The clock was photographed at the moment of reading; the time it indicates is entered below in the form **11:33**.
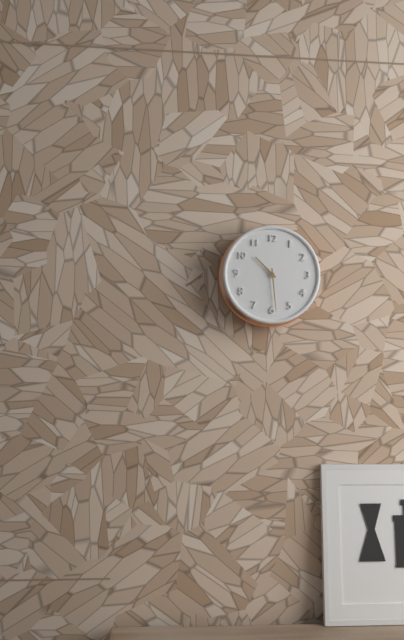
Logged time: **10:29**
